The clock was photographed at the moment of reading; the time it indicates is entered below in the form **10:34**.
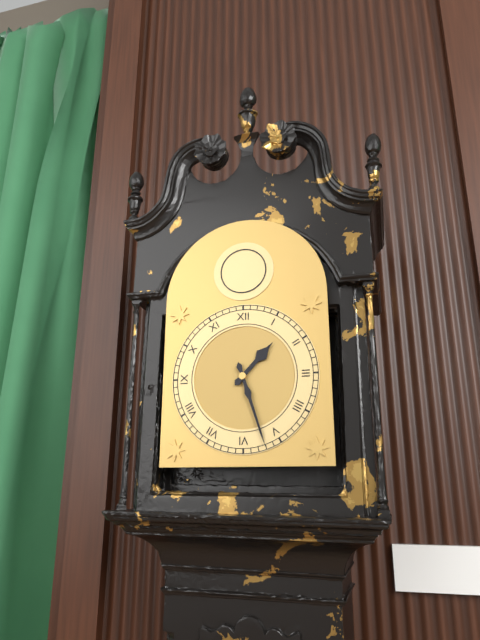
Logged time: **1:27**
